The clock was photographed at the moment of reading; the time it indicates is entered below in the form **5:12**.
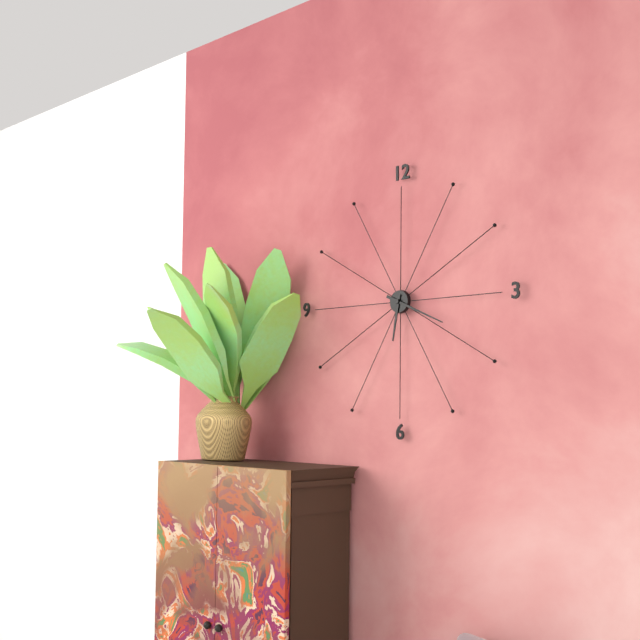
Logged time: **6:19**
